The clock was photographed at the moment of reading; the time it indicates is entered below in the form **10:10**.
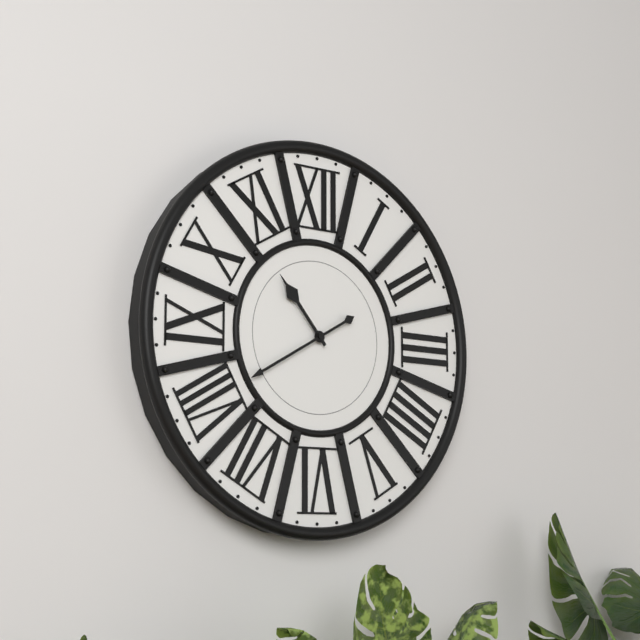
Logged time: **10:40**
